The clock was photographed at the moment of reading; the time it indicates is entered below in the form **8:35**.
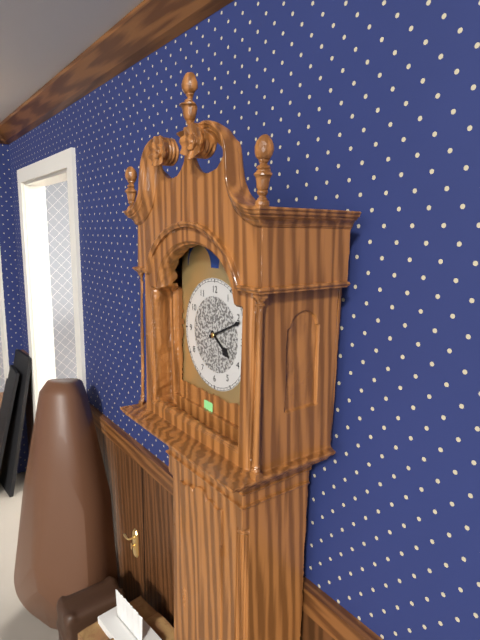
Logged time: **4:11**
